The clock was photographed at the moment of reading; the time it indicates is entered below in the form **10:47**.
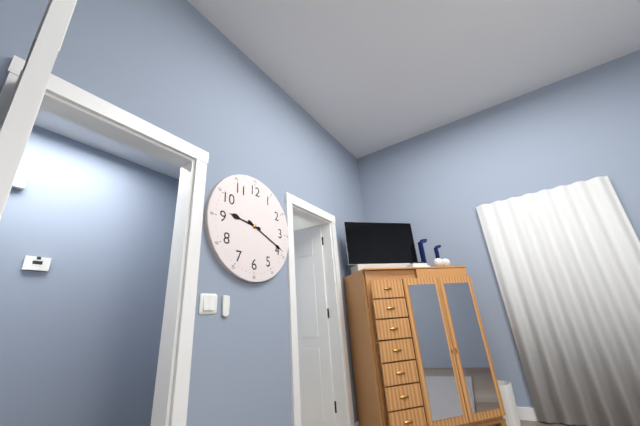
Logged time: **9:19**
